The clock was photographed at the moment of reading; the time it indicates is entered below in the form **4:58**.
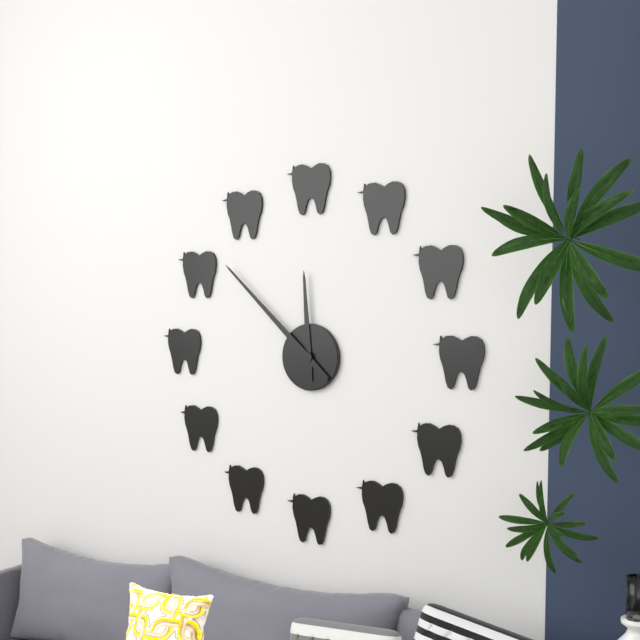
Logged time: **11:52**
